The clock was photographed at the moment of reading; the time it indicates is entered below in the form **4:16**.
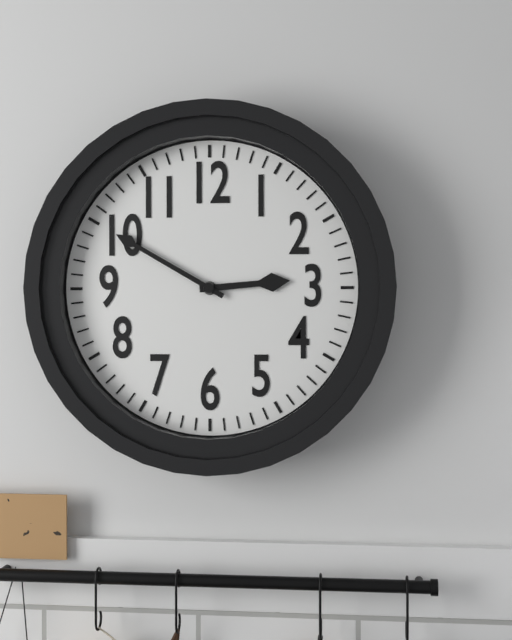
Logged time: **2:50**
